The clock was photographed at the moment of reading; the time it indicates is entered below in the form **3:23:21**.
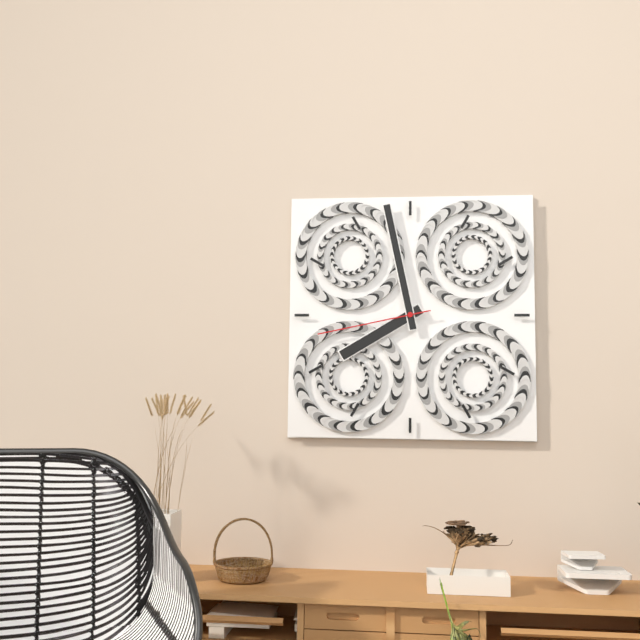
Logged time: **7:58:43**
